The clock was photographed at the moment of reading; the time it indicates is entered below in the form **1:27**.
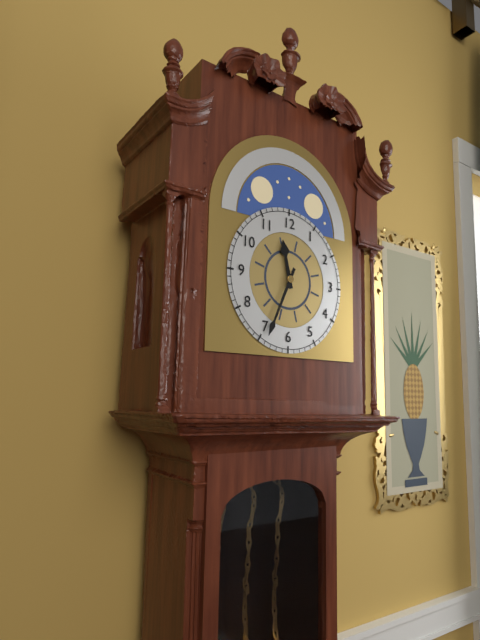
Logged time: **11:34**
